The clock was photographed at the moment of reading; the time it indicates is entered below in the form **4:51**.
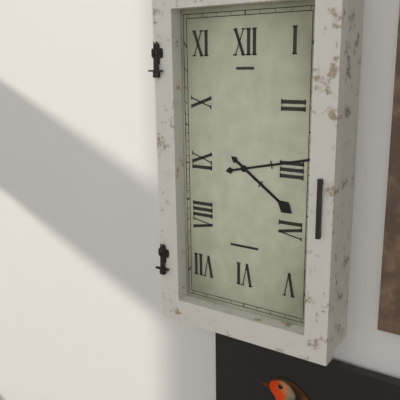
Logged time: **4:13**
